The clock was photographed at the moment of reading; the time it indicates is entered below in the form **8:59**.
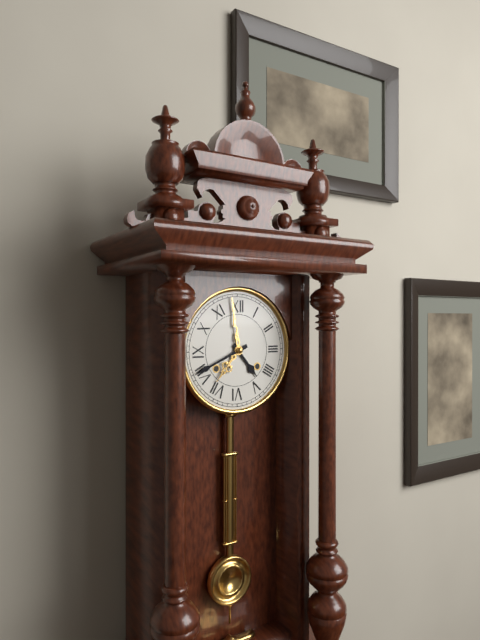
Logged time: **4:41**
